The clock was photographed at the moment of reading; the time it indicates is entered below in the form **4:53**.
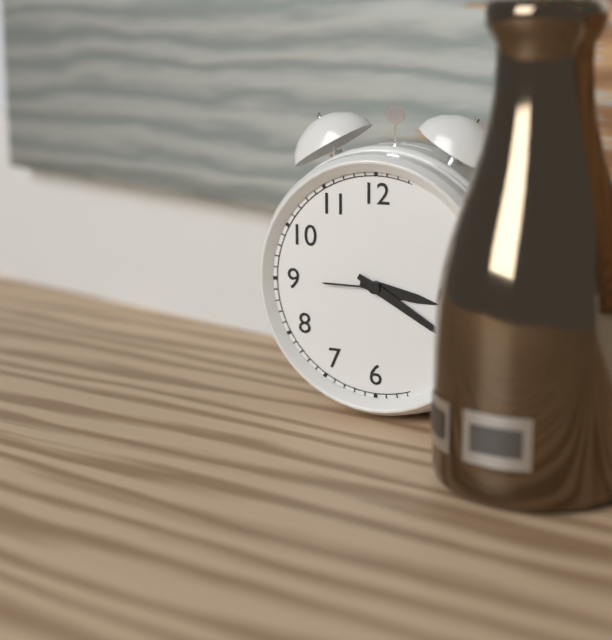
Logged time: **3:20**
